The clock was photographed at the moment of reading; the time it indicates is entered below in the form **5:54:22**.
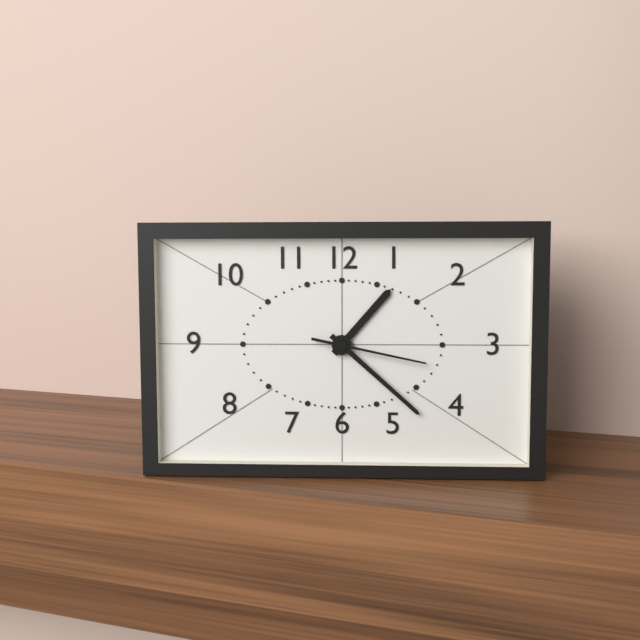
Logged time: **1:22:17**
